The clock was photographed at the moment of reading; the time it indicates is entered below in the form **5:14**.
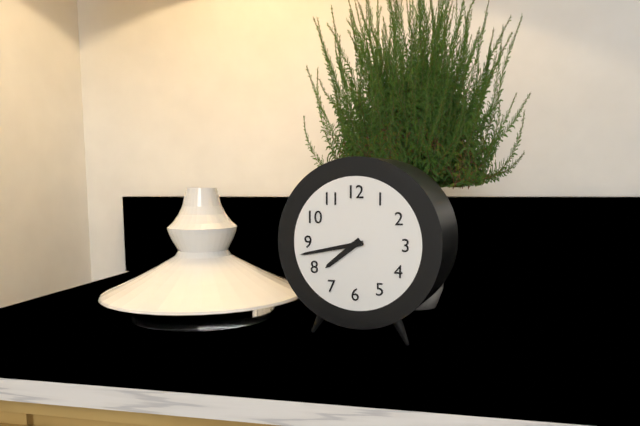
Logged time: **7:43**
